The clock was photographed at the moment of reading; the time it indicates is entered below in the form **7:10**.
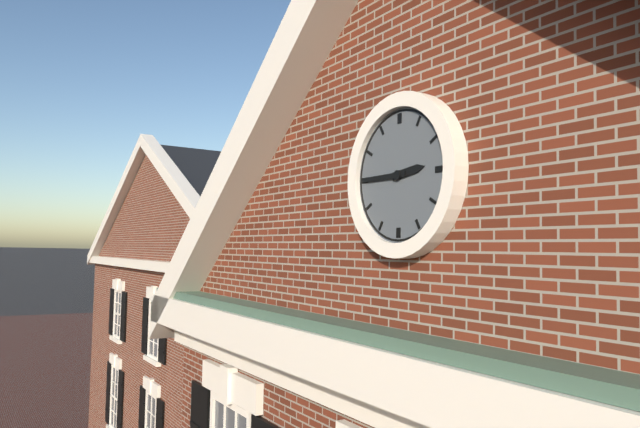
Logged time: **2:45**
